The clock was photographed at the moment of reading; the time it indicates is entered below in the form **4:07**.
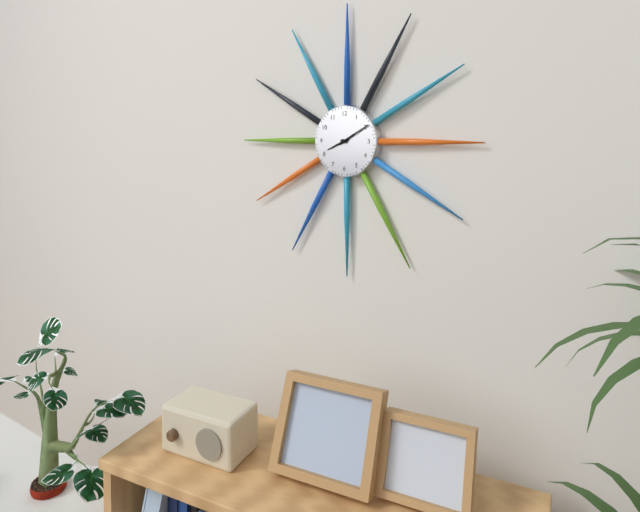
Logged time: **8:10**
